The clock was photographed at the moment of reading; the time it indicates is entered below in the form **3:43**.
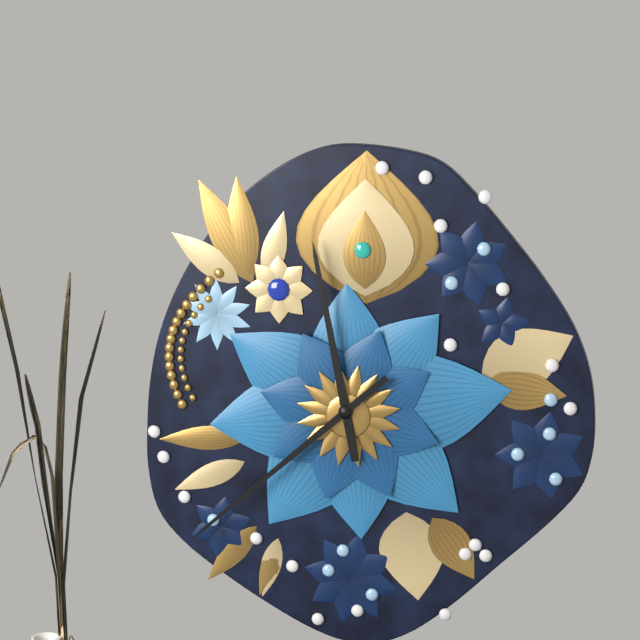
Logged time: **11:38**
